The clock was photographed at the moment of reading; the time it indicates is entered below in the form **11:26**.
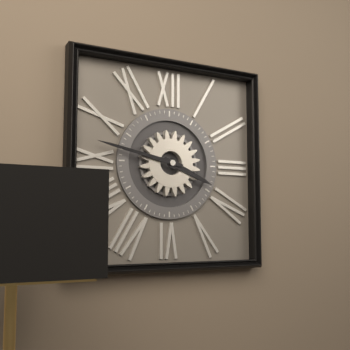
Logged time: **3:47**
